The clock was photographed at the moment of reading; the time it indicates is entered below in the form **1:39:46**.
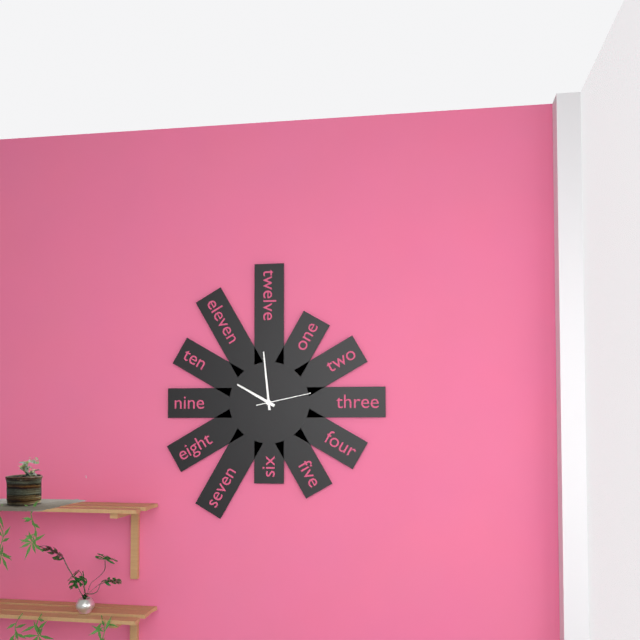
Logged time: **9:59:13**
